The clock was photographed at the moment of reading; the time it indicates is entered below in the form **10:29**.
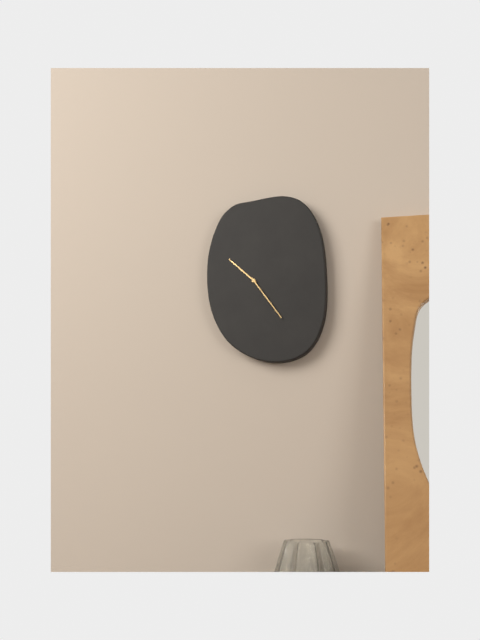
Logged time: **10:24**
